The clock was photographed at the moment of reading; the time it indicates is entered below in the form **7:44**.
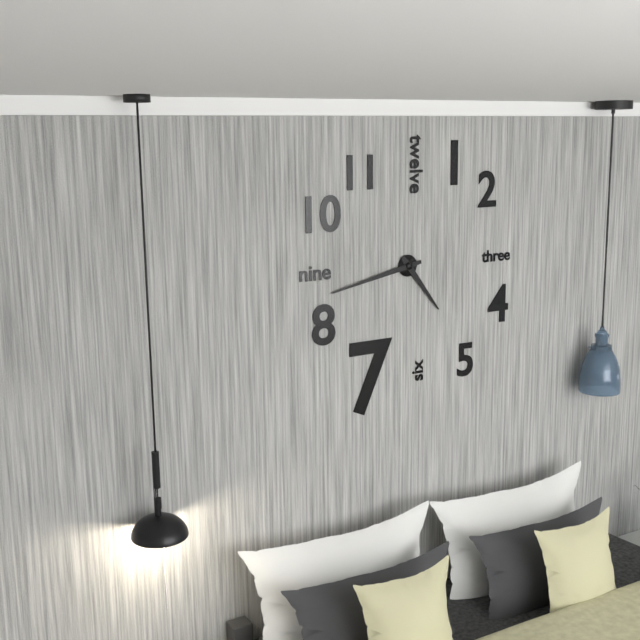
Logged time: **4:43**
